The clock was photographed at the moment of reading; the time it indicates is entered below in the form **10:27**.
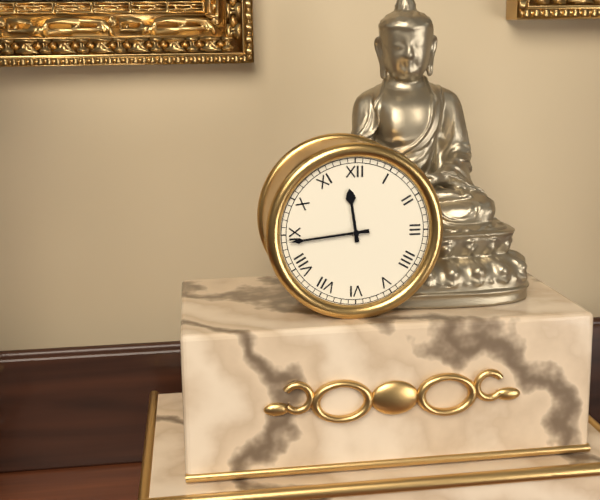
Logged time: **11:44**
